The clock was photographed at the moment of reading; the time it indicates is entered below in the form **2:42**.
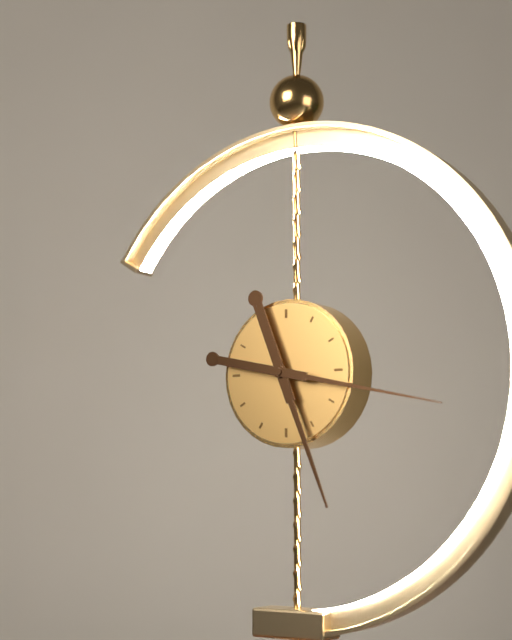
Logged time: **5:17**
